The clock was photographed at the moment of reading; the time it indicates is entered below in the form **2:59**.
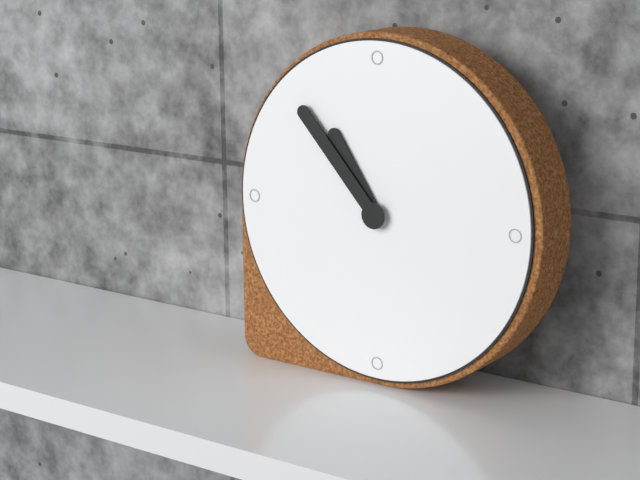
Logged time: **10:53**
